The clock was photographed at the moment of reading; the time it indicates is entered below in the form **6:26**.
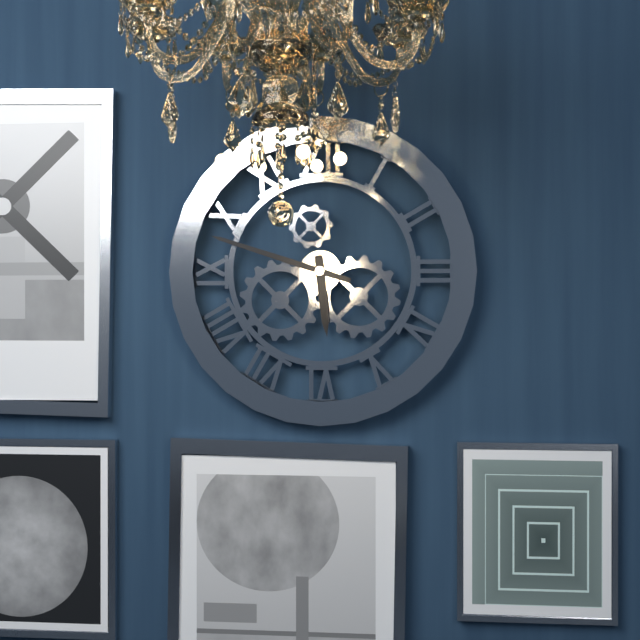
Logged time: **5:48**
